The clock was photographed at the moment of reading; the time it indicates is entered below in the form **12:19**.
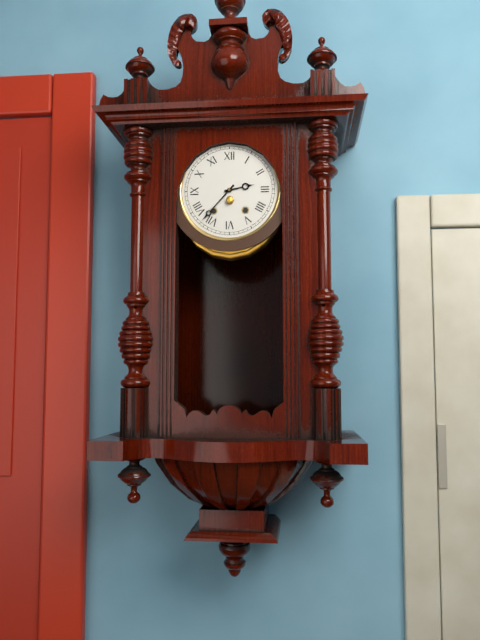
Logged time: **2:37**
